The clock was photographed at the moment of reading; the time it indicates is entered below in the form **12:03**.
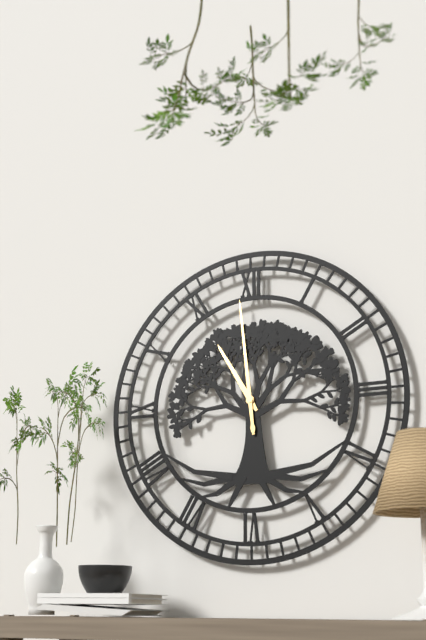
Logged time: **10:59**
